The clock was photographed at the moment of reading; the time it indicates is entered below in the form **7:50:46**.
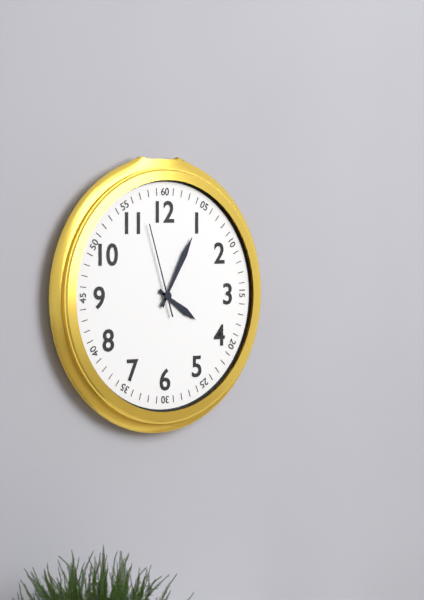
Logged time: **4:05:57**
